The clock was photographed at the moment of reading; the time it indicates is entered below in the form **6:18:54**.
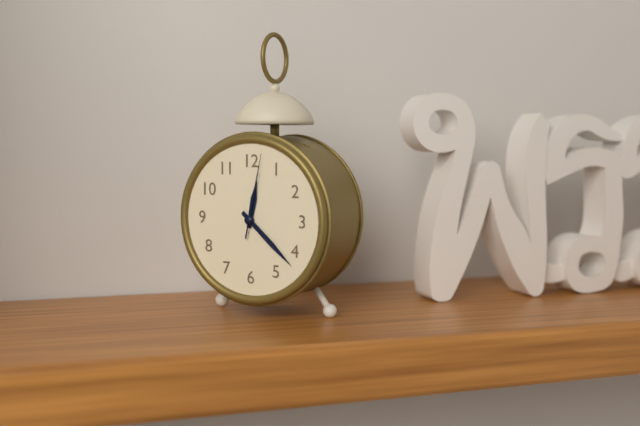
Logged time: **12:22:02**
